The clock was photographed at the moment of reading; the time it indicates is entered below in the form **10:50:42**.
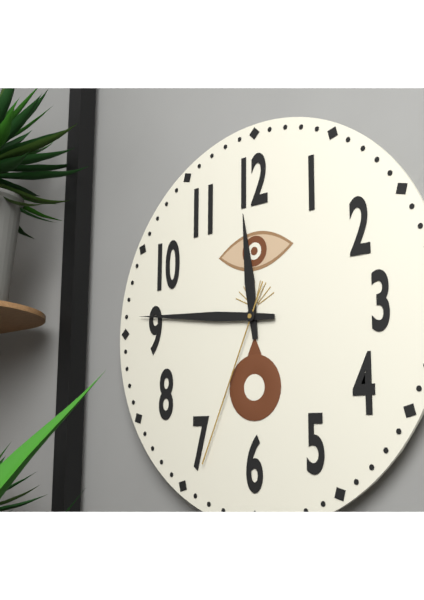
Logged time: **11:46:34**
